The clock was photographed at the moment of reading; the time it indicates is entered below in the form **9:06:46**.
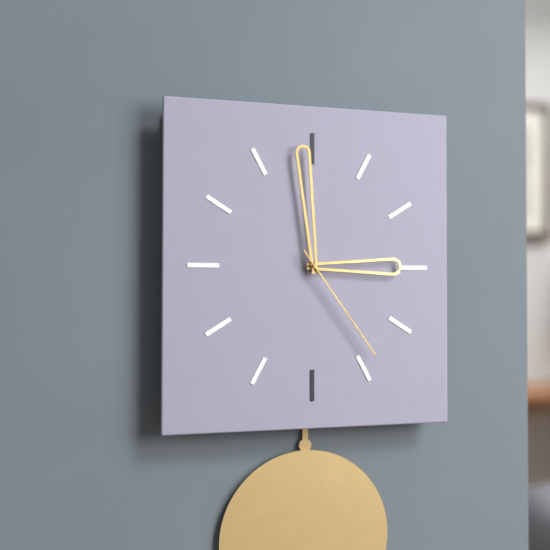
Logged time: **2:59:24**
